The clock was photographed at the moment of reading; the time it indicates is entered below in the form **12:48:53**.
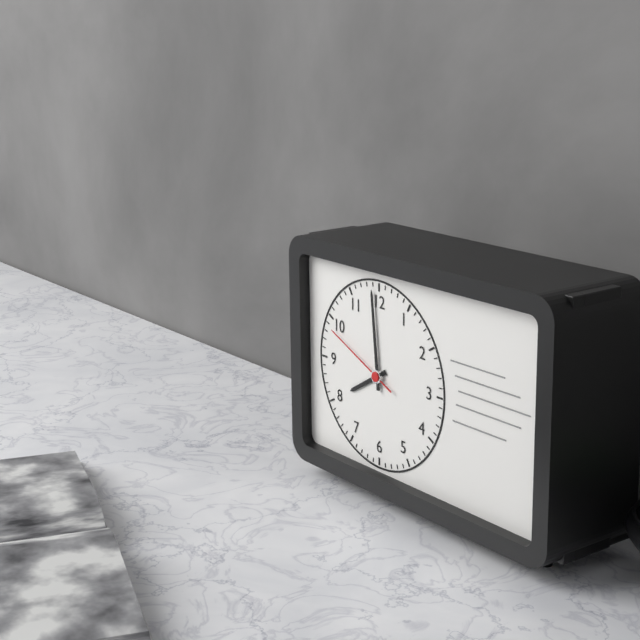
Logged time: **7:59:49**
